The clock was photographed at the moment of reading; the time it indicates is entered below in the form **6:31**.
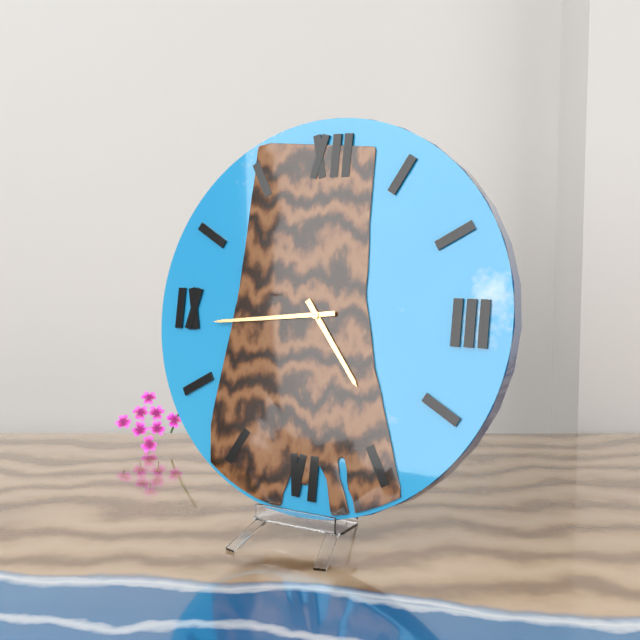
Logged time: **4:44**
